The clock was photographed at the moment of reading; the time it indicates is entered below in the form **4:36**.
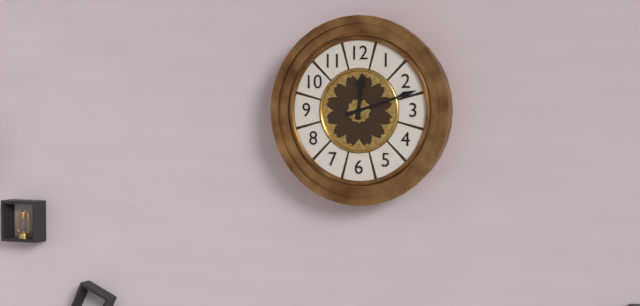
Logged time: **12:12**
